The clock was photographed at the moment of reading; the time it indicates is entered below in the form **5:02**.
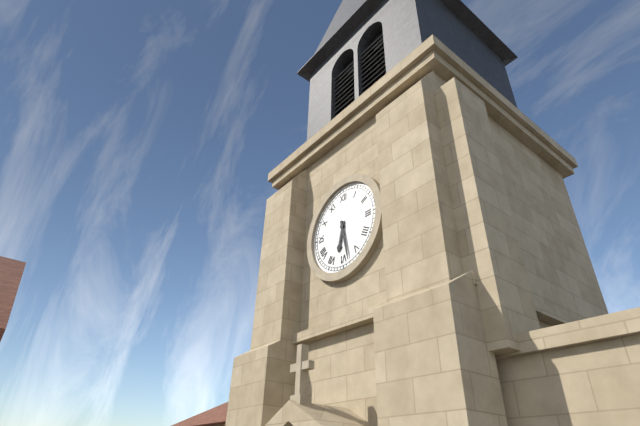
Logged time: **6:28**
